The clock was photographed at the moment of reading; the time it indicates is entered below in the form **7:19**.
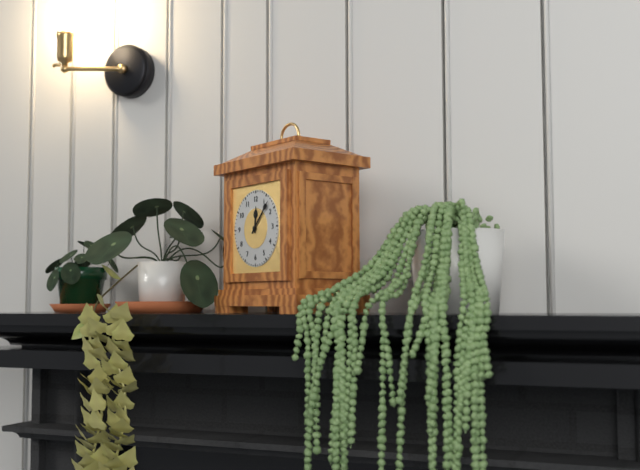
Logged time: **12:07**
